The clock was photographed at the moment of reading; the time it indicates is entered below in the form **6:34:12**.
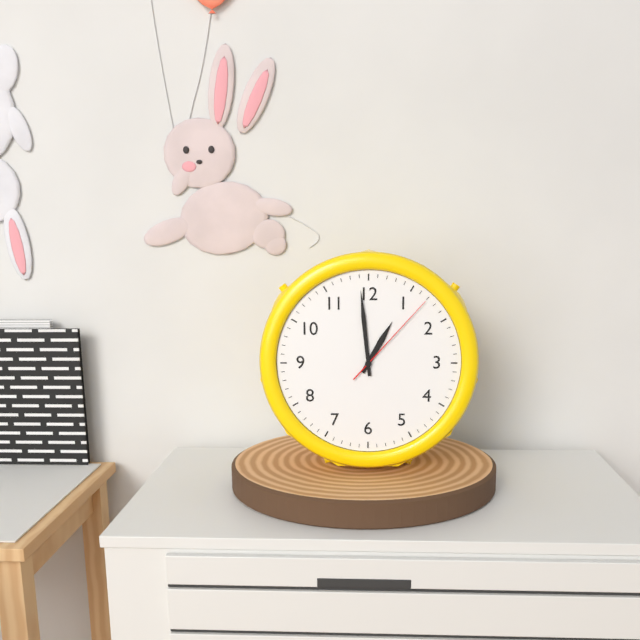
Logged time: **12:59:07**
